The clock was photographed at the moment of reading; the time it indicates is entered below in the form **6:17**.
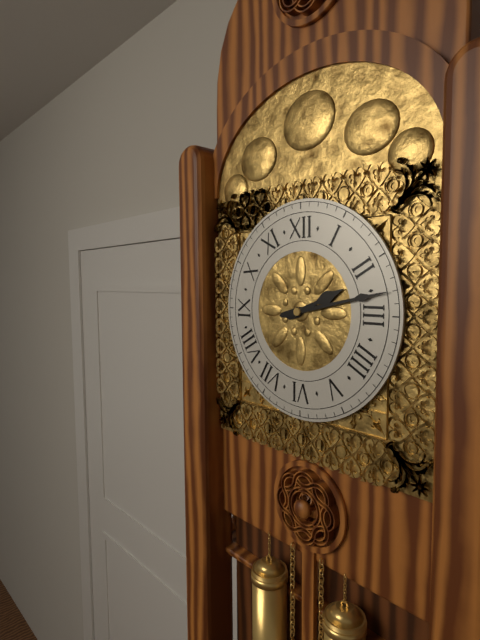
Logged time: **2:13**
